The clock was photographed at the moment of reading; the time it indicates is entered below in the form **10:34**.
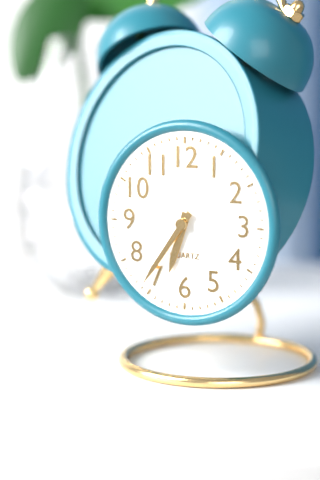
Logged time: **6:36**
